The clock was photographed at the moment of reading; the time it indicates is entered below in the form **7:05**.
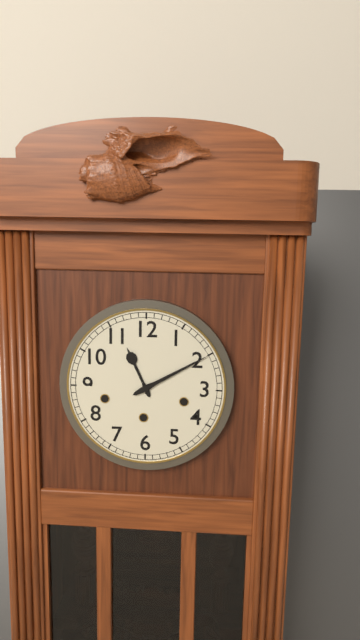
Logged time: **11:10**
